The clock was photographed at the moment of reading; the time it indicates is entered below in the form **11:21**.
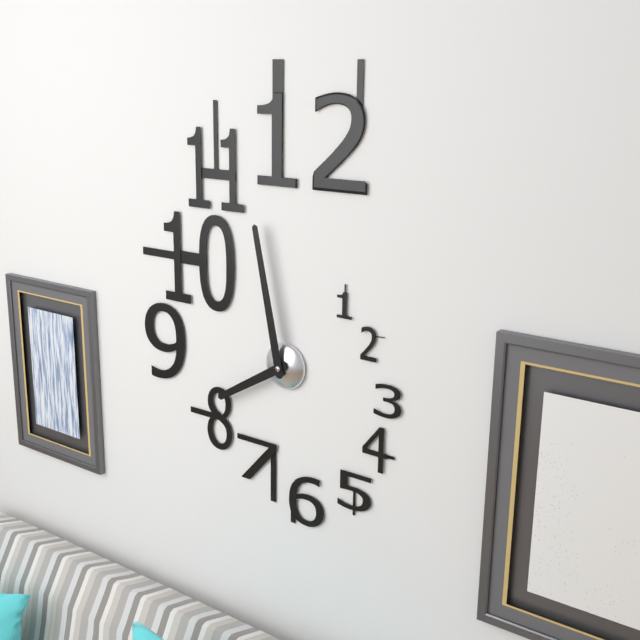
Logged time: **7:58**
